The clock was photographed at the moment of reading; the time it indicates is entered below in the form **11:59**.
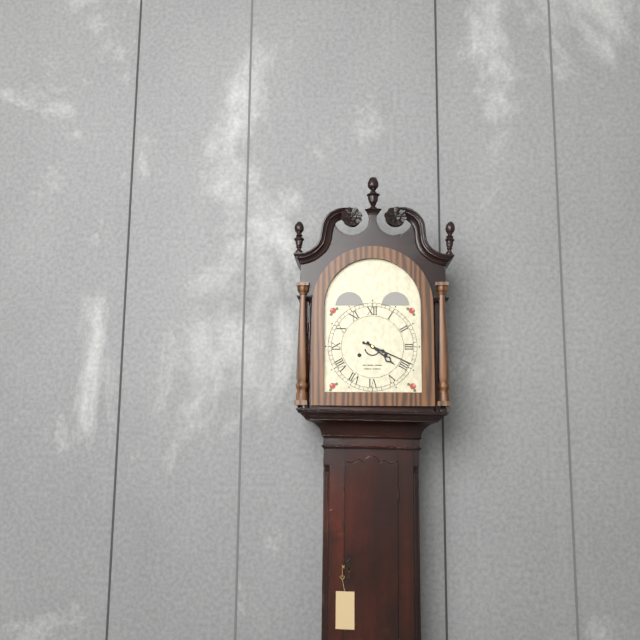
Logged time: **4:19**
